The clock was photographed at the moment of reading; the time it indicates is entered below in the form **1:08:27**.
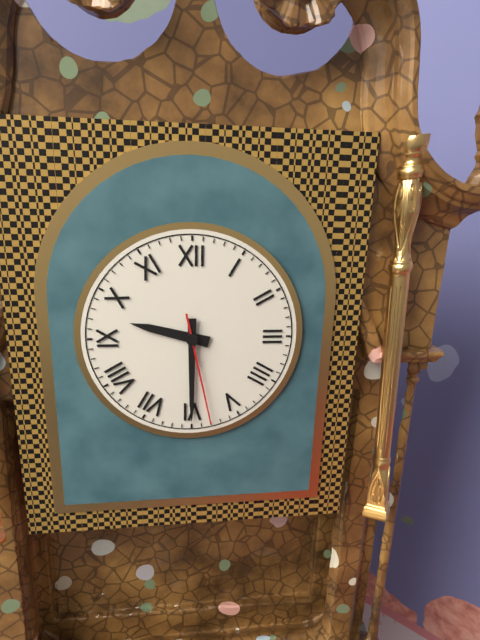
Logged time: **9:30:28**
